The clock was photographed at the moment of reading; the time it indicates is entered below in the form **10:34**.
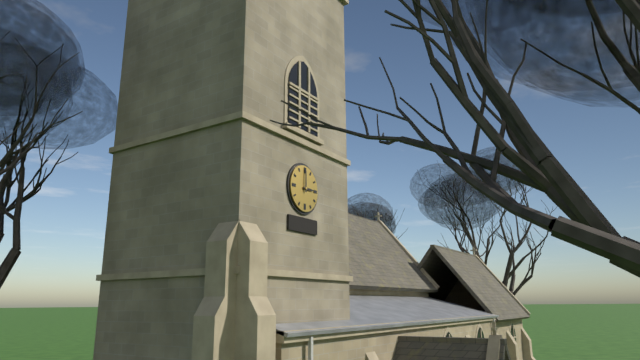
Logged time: **3:00**
